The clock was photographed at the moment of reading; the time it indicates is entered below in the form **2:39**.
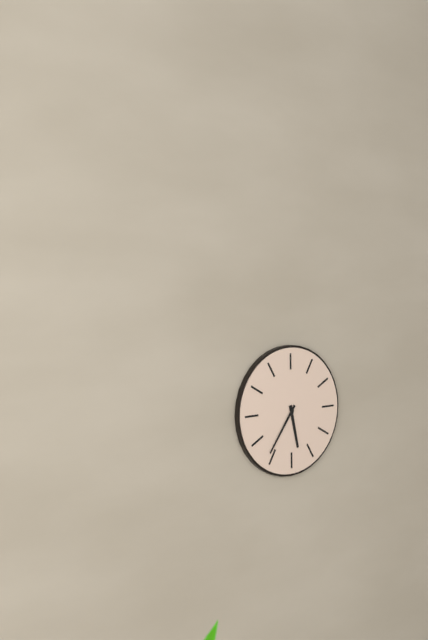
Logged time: **5:36**
